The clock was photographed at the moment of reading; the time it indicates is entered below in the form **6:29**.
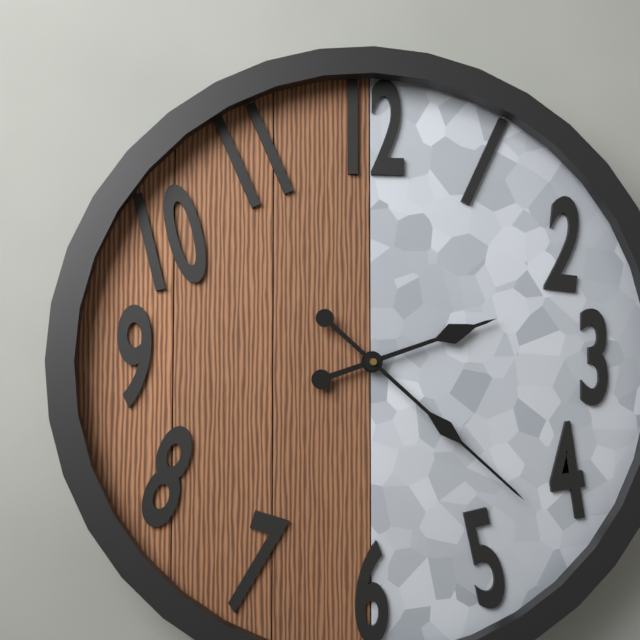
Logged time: **2:22**
